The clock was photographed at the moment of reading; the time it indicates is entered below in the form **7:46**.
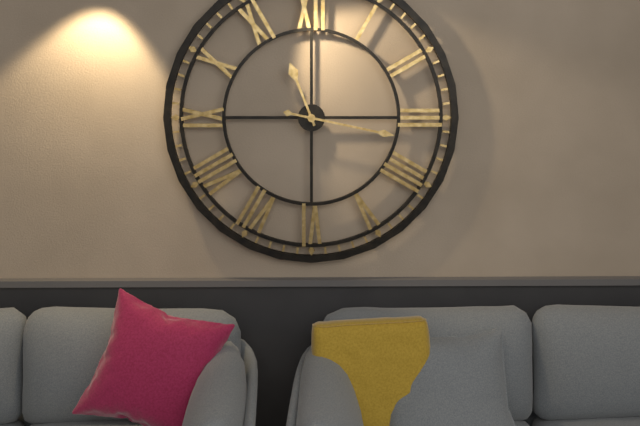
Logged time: **11:17**
